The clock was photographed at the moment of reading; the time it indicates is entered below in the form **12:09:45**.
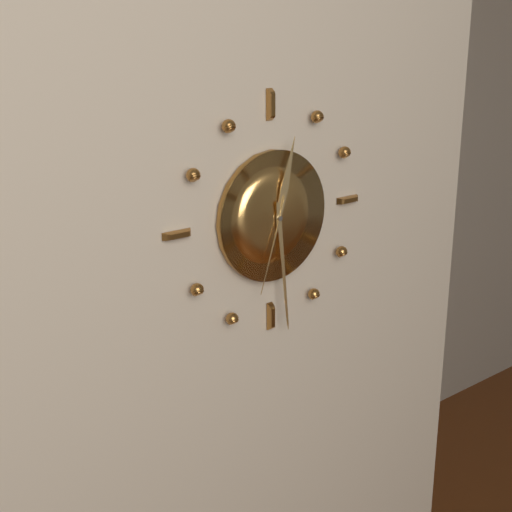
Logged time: **12:29:33**
